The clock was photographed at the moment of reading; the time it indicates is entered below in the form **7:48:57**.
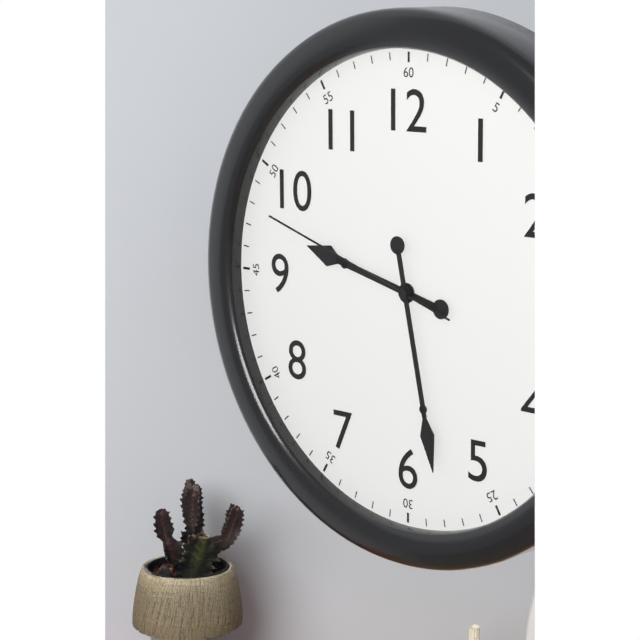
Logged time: **9:28:48**
